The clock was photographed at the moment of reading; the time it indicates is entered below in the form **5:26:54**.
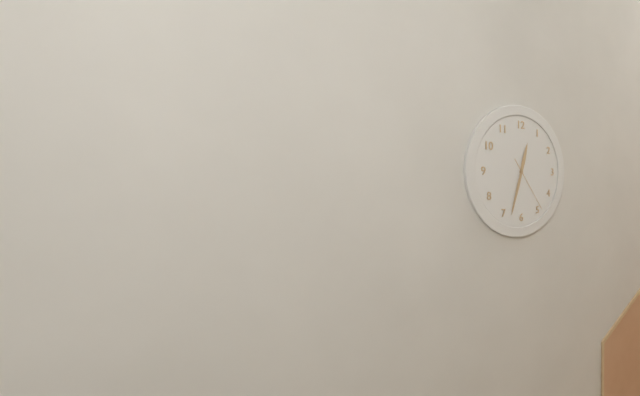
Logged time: **12:33:24**
